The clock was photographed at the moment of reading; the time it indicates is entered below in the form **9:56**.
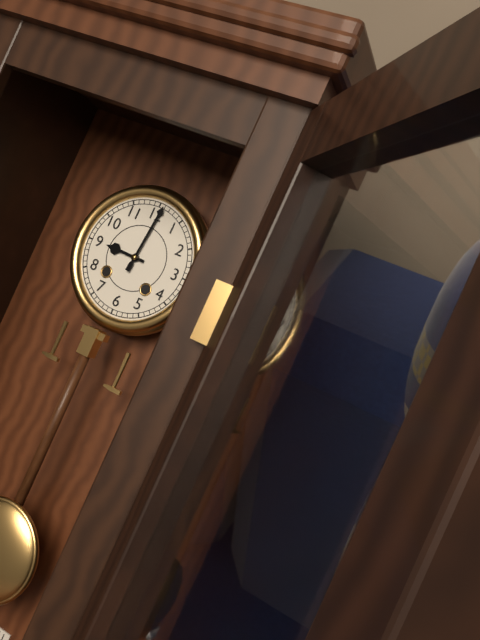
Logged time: **9:01**
